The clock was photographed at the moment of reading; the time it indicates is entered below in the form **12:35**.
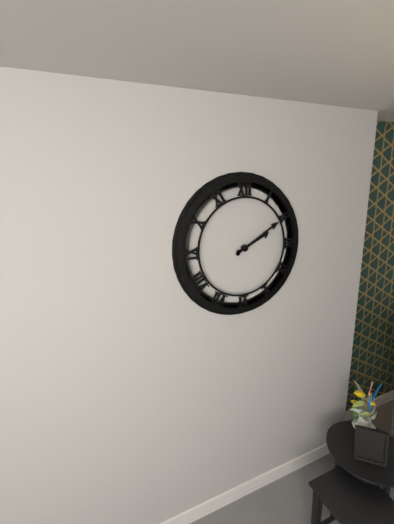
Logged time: **2:10**
